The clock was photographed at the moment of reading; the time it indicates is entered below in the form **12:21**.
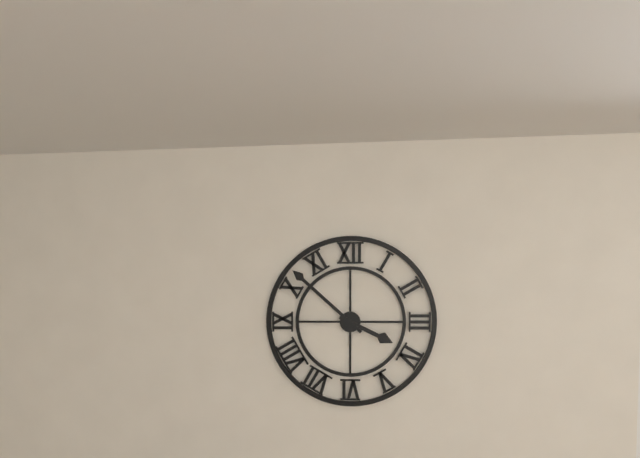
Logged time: **3:52**
